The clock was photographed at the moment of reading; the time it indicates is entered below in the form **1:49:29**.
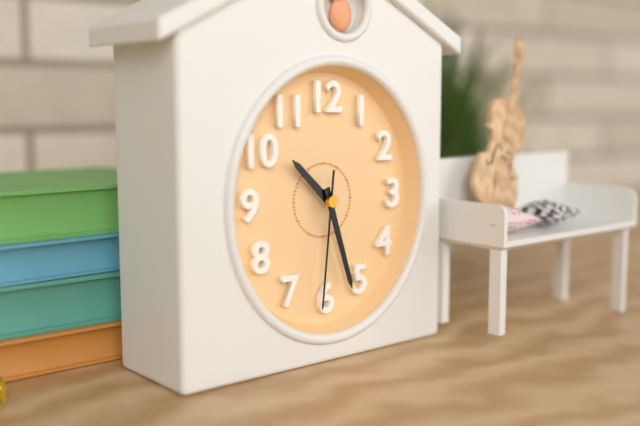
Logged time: **10:27:31**
